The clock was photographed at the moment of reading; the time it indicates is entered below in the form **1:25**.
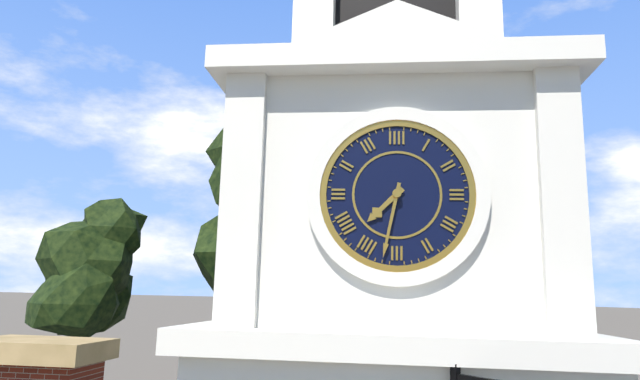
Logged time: **7:32**
